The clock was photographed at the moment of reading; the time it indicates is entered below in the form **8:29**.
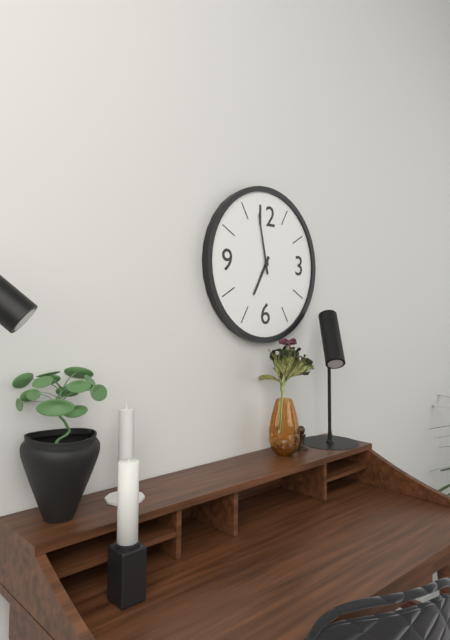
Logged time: **6:58**
